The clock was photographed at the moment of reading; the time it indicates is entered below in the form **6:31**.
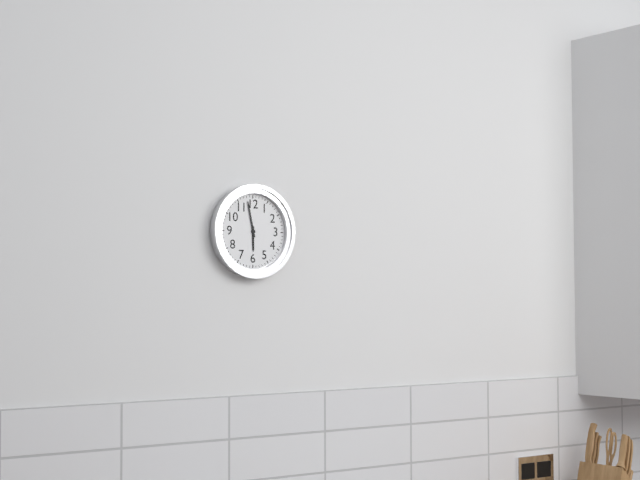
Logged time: **5:58**
